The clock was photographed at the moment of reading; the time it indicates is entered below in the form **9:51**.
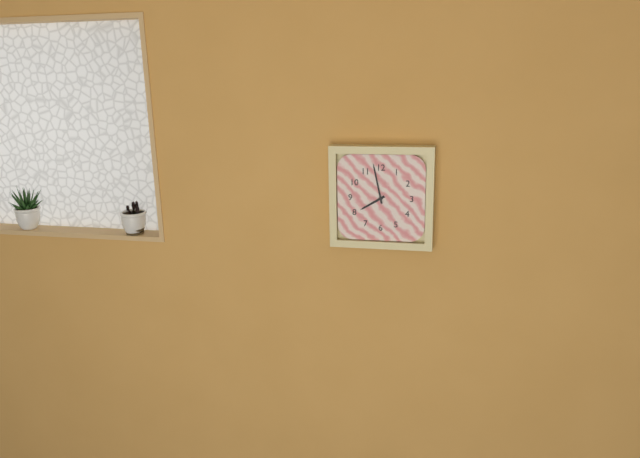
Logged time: **7:58**
